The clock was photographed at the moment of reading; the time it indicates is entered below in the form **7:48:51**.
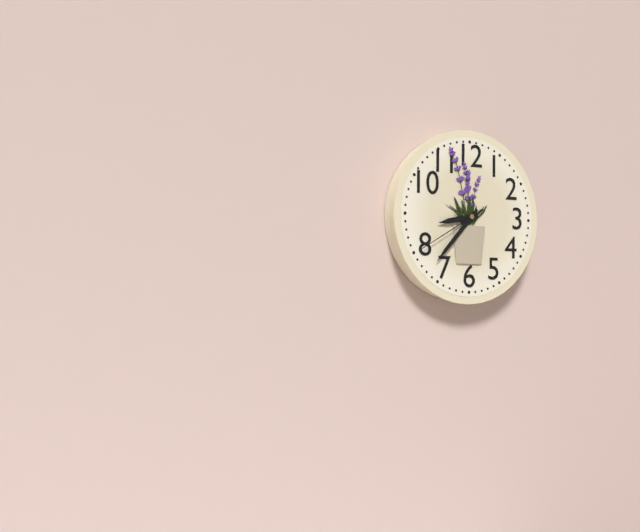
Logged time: **8:37:40**
